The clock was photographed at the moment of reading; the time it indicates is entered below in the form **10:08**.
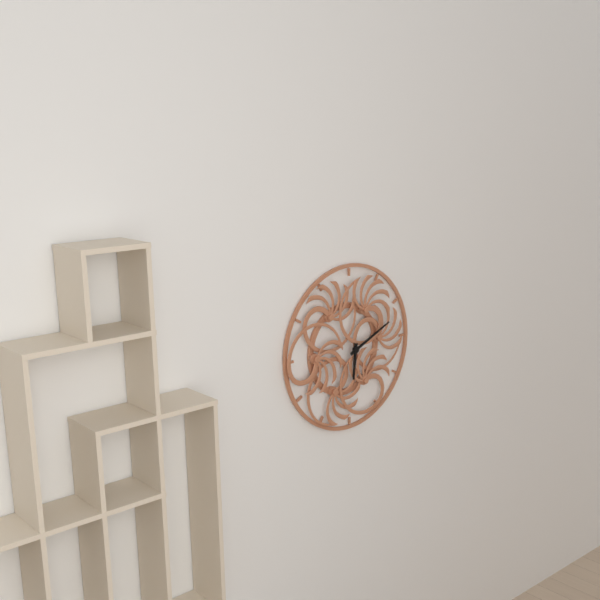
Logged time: **6:11**
